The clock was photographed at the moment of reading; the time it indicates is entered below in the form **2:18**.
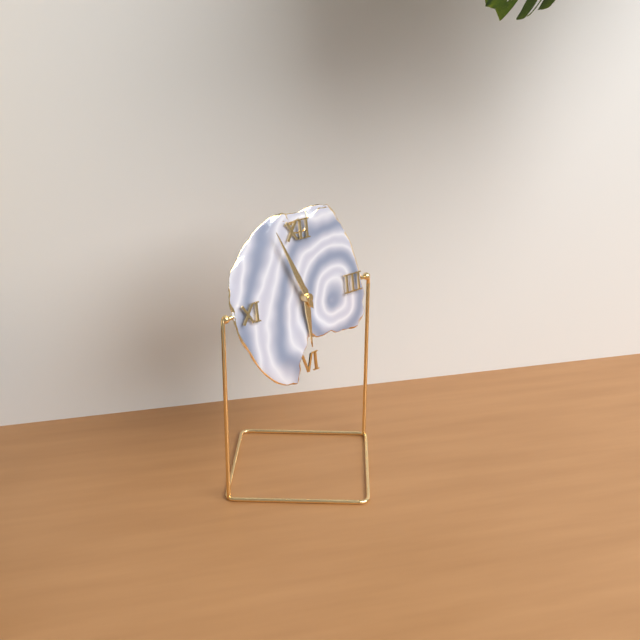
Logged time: **5:56**
